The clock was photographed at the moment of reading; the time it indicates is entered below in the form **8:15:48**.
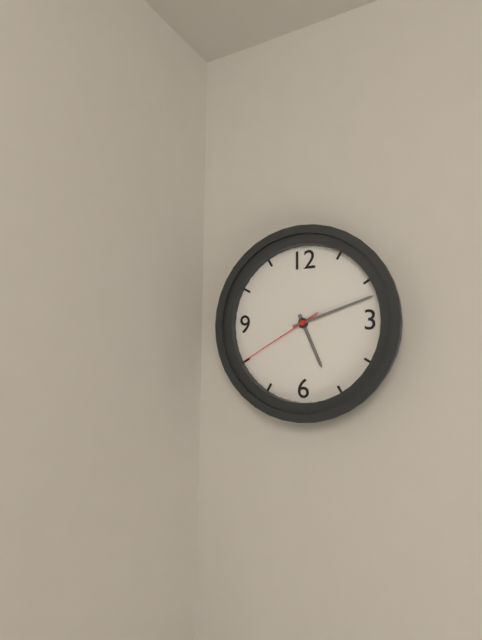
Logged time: **5:12:40**
